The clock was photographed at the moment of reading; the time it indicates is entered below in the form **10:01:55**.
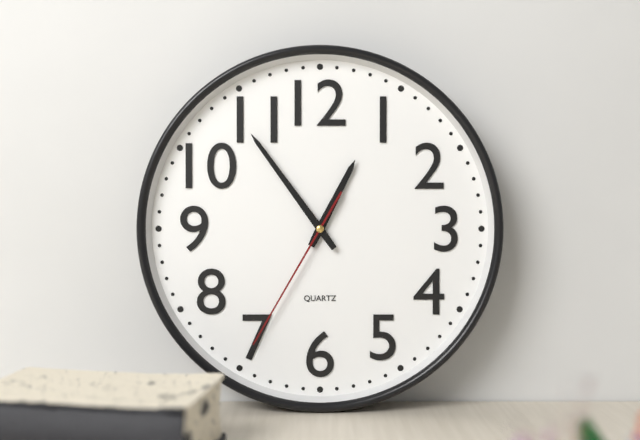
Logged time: **12:54:35**
